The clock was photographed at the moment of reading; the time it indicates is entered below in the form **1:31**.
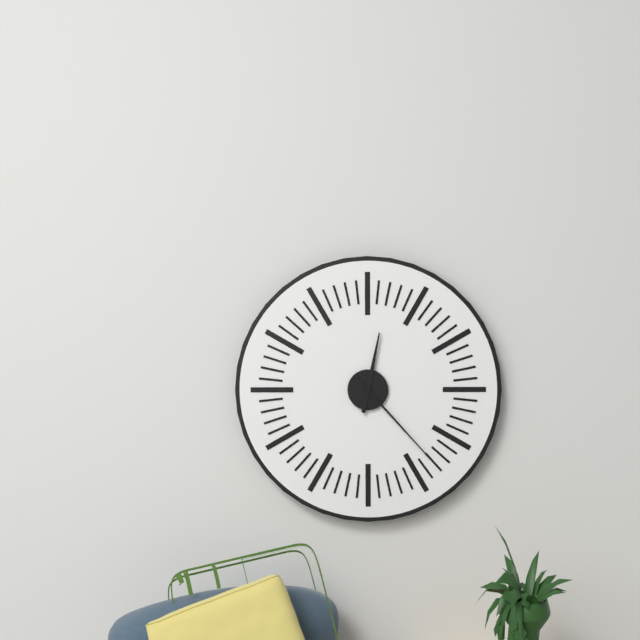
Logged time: **12:23**
